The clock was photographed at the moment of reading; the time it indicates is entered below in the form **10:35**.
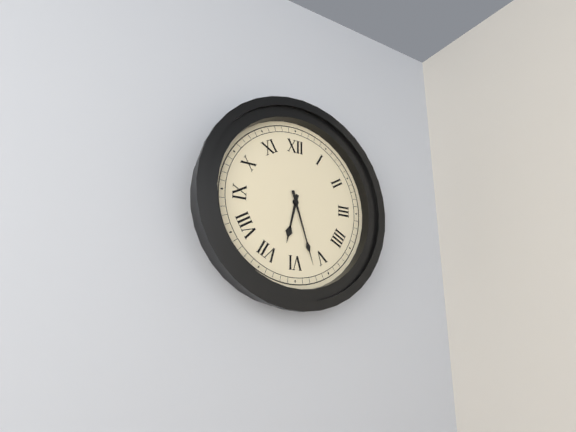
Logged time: **6:27**
